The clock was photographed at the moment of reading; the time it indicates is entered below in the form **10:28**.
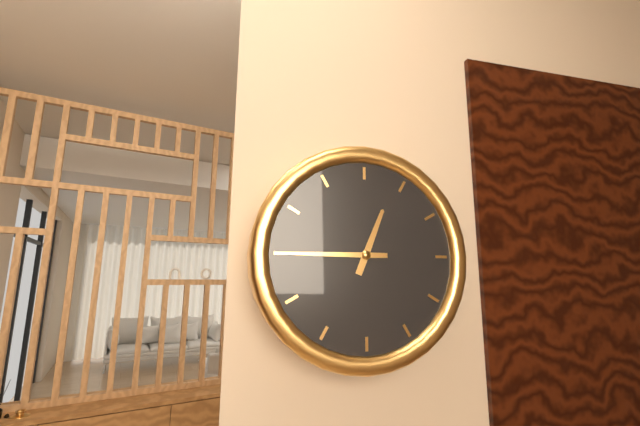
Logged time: **12:45**
